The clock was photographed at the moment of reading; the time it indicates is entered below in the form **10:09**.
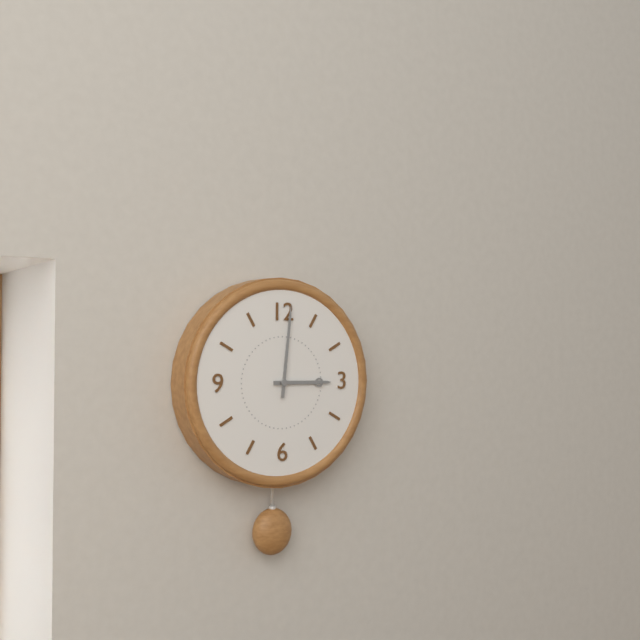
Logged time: **3:01**
